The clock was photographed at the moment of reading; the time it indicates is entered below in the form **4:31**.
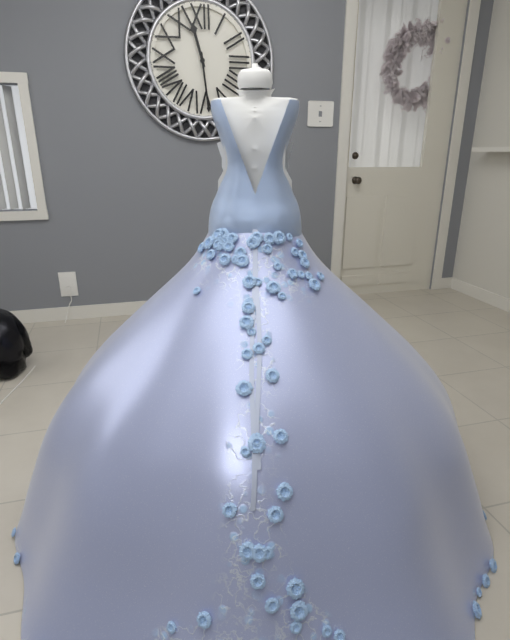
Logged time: **11:29**
